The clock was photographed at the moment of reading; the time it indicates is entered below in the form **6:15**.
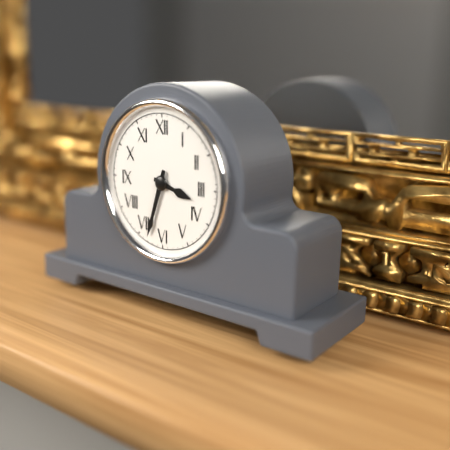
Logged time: **3:33**
